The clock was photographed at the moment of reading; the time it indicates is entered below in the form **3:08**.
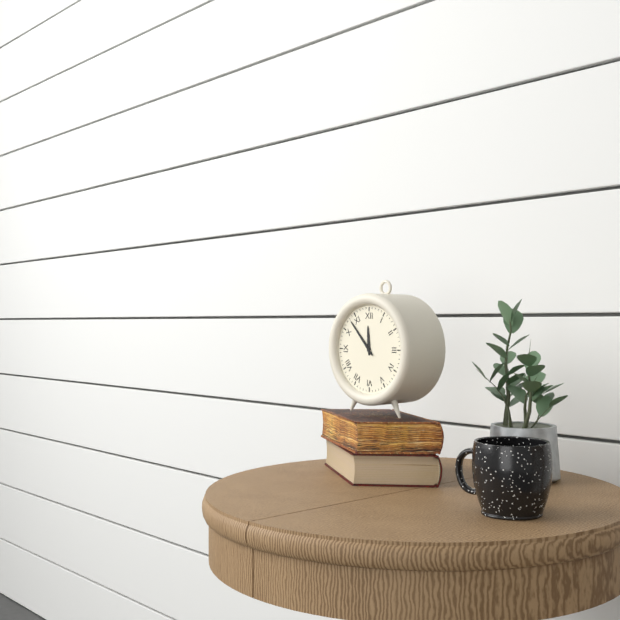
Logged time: **11:53**
